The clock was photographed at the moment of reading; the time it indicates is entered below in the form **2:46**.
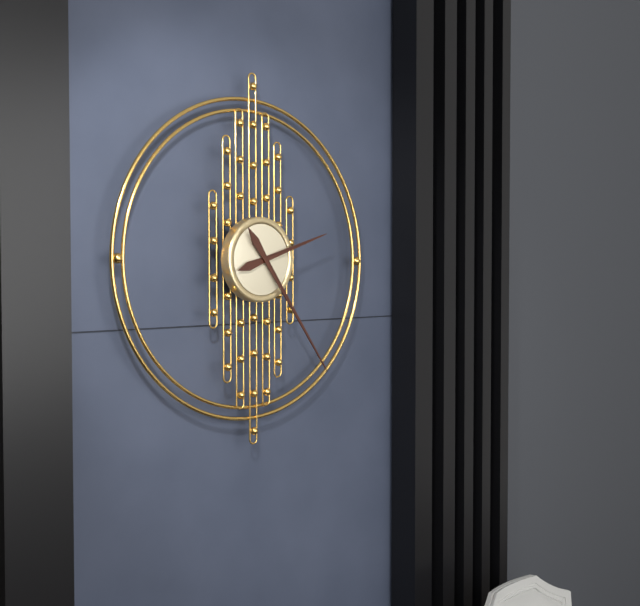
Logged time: **2:24**
